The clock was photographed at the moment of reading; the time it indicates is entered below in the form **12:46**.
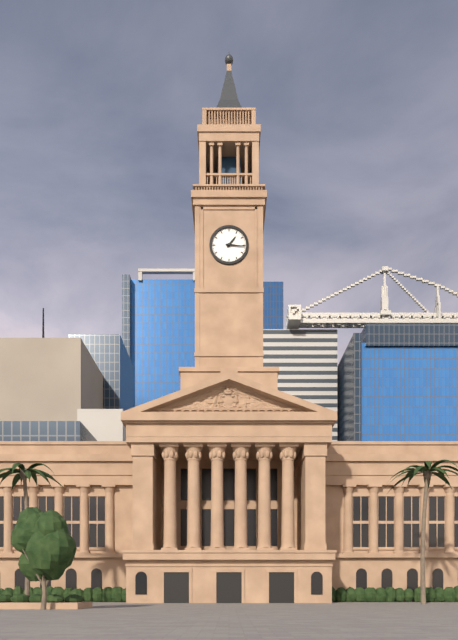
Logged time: **1:16**
